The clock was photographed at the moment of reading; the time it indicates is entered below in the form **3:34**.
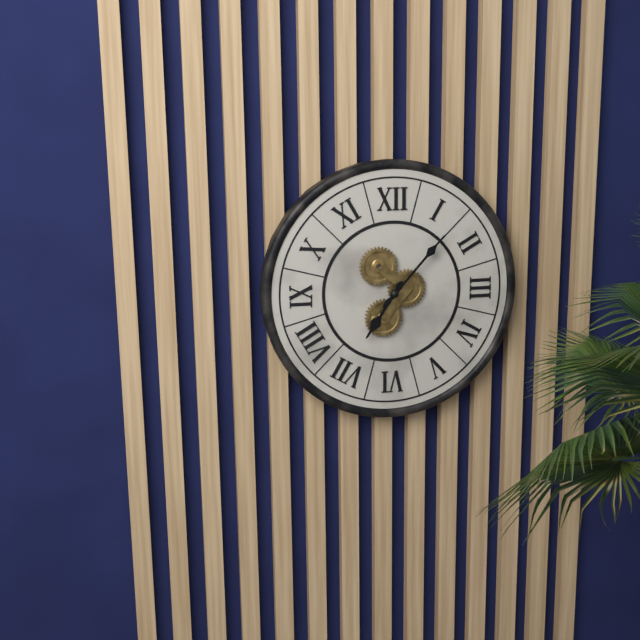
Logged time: **7:07**
